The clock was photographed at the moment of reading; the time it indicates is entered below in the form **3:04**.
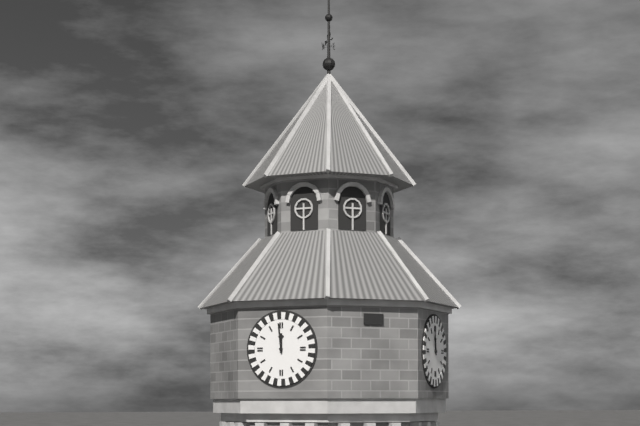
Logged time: **11:59**
